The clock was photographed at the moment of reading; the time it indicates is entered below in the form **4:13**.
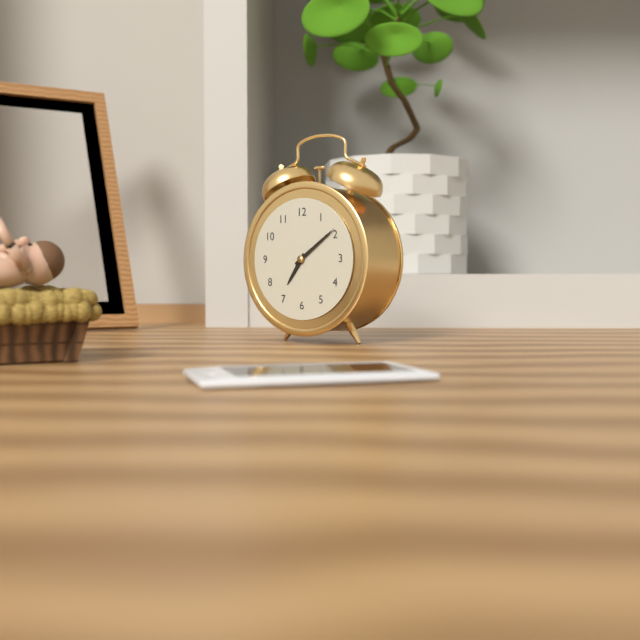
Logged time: **7:09**
